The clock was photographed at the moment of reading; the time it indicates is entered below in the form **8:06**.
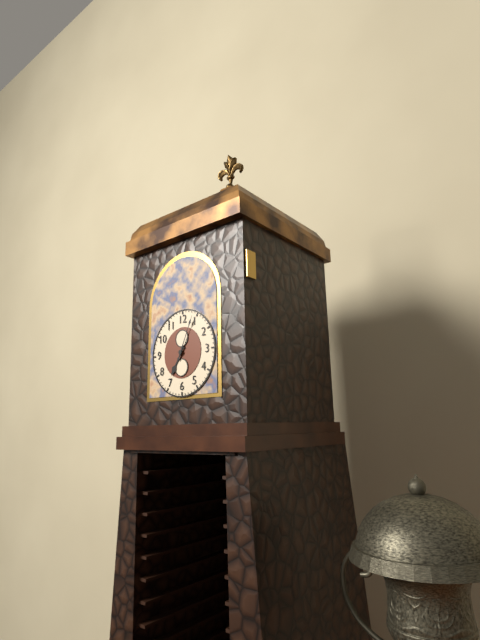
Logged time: **7:04**
